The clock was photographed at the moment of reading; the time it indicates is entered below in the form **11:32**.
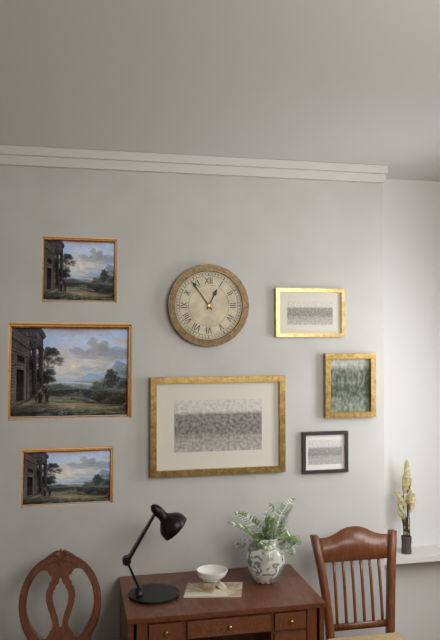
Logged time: **12:54**
